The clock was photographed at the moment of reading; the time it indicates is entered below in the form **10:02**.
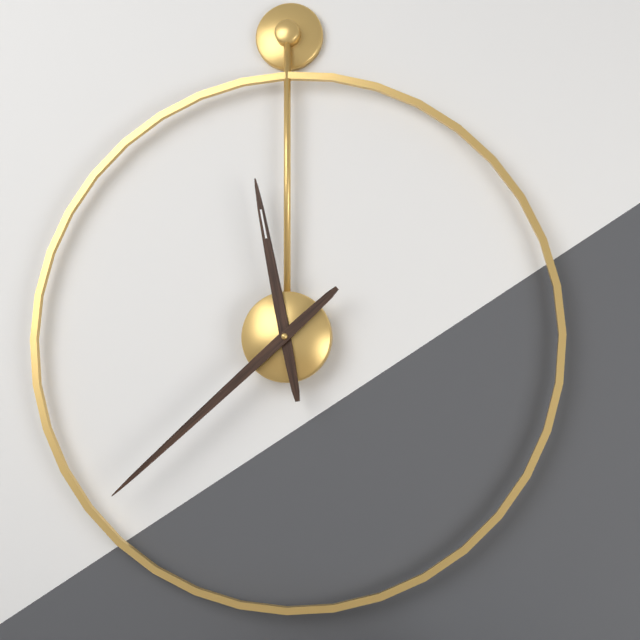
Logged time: **11:38**
